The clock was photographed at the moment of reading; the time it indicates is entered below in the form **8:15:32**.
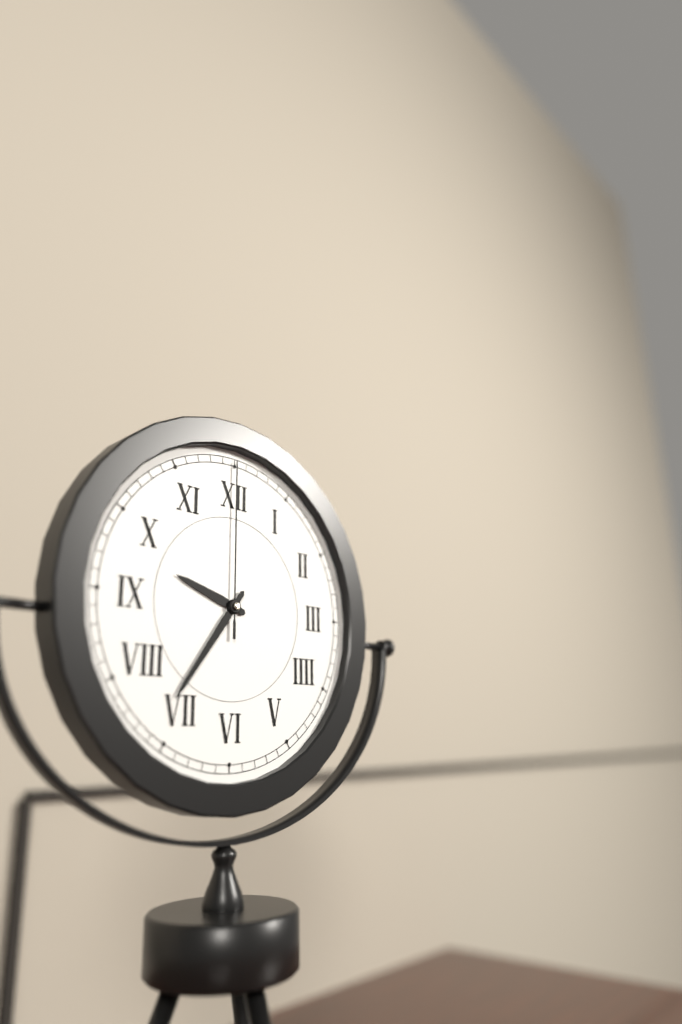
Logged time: **9:36:00**
